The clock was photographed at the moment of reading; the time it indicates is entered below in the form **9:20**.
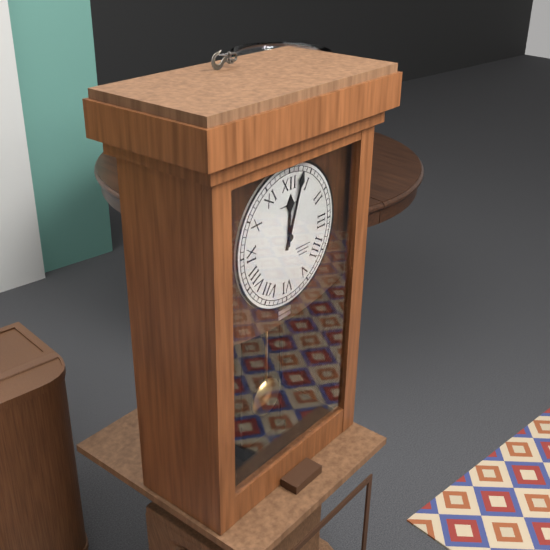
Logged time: **12:03**
